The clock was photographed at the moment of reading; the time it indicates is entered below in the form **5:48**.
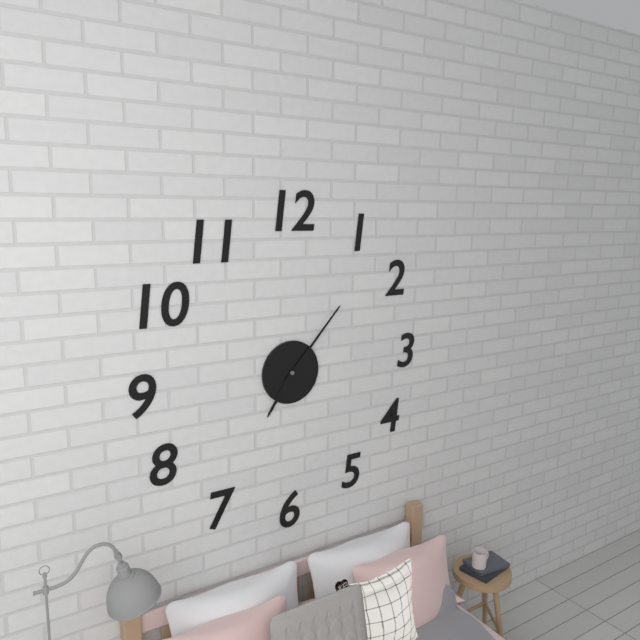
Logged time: **7:07**
